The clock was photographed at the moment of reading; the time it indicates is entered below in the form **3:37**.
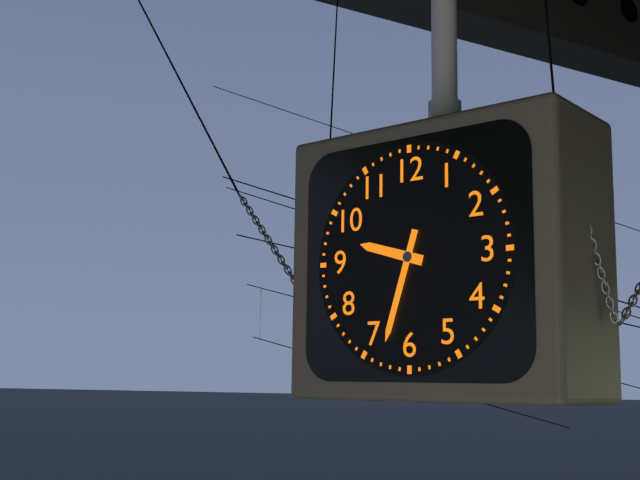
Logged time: **9:33**
